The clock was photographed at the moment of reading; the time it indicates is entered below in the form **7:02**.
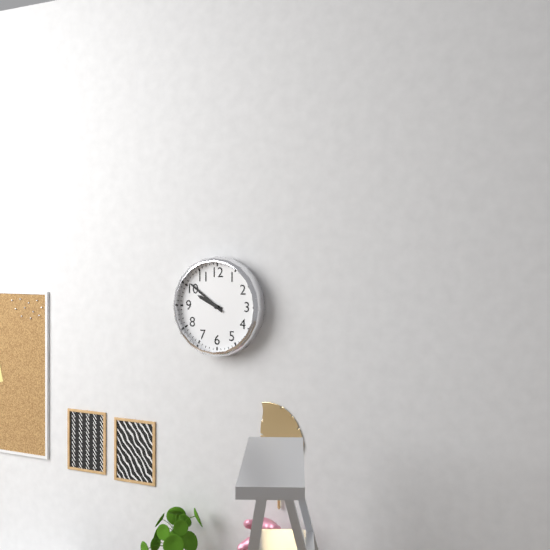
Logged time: **9:51**
